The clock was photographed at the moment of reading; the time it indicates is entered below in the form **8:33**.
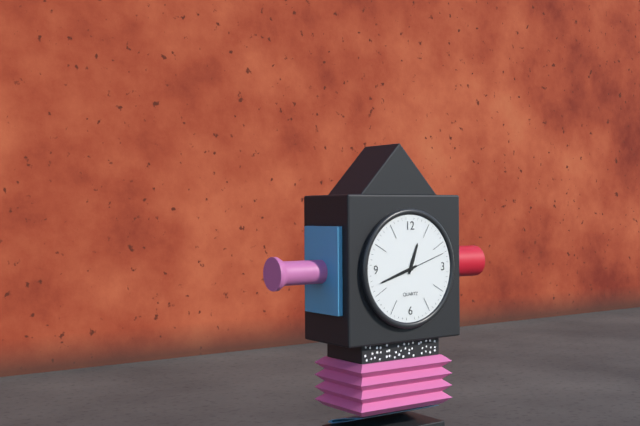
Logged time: **12:42**
